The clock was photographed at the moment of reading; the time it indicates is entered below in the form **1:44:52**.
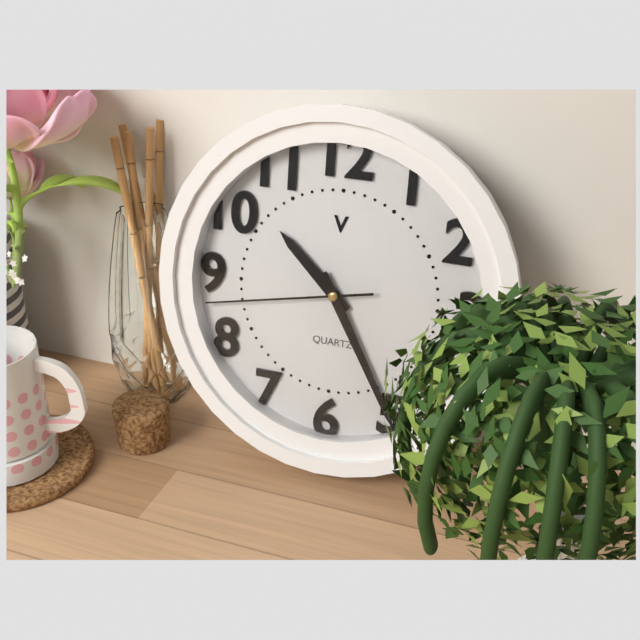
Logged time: **10:25:43**
